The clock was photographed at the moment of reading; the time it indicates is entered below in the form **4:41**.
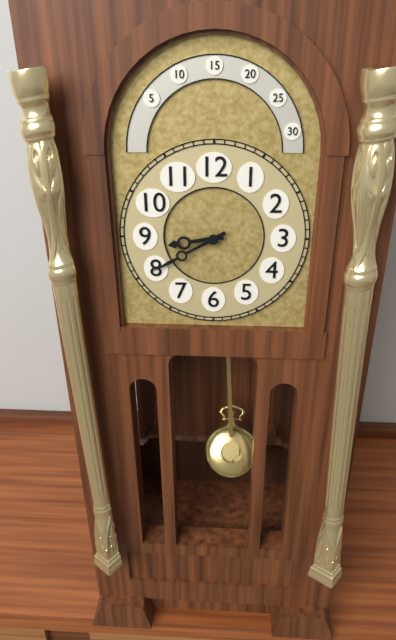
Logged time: **8:40**
